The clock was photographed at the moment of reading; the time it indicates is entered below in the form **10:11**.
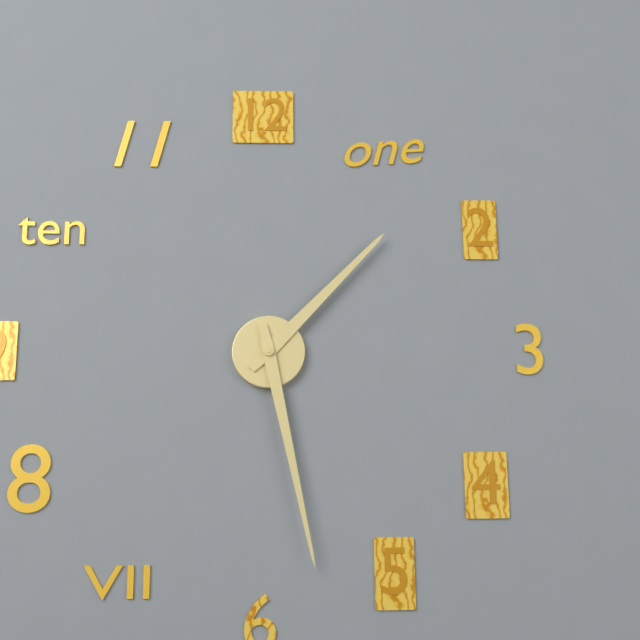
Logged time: **1:28**
